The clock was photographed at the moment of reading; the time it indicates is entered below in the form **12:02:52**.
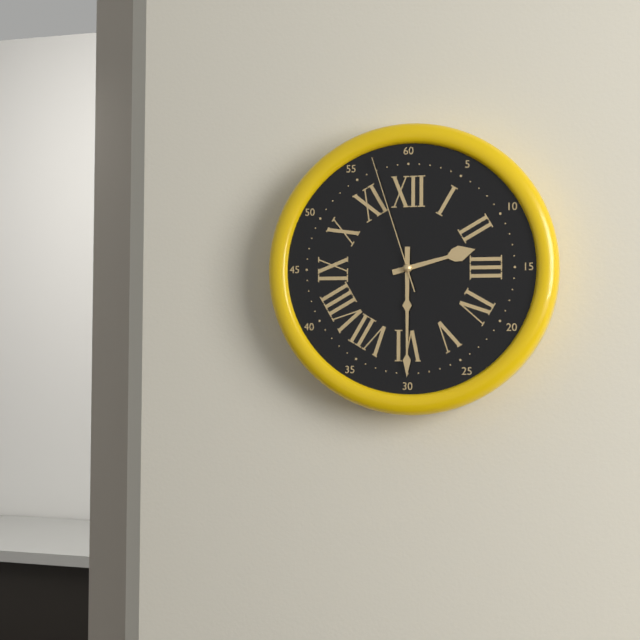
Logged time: **2:30:57**
